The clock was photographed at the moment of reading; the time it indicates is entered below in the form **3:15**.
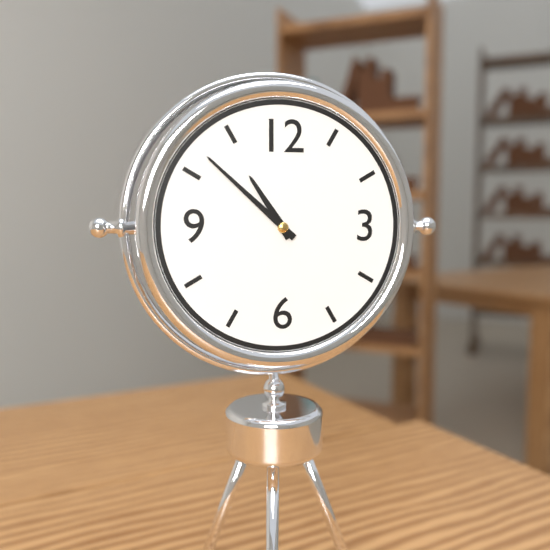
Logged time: **10:52**
